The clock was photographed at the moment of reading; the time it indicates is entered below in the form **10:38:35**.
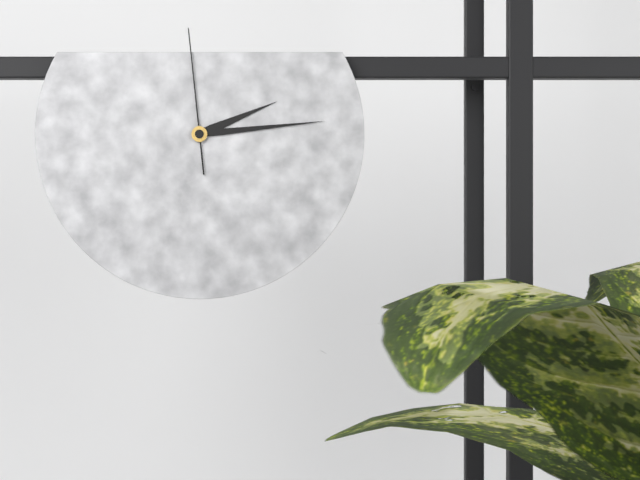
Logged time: **2:14:59**
